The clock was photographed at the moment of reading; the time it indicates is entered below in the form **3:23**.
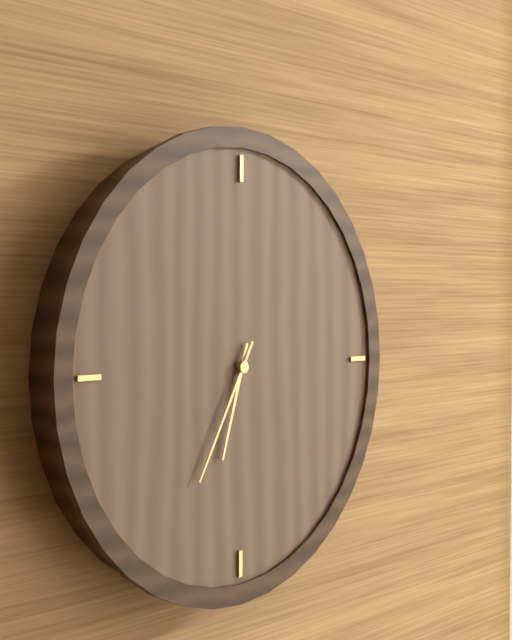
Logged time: **6:35**
